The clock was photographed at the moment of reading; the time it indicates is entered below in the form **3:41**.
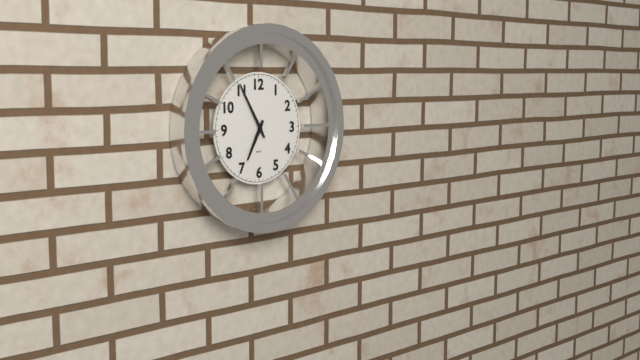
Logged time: **6:55**
